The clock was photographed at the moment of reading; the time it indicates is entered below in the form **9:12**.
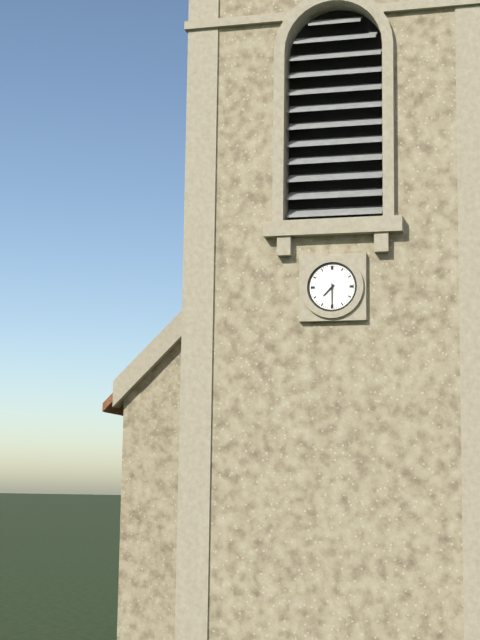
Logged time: **7:30**
